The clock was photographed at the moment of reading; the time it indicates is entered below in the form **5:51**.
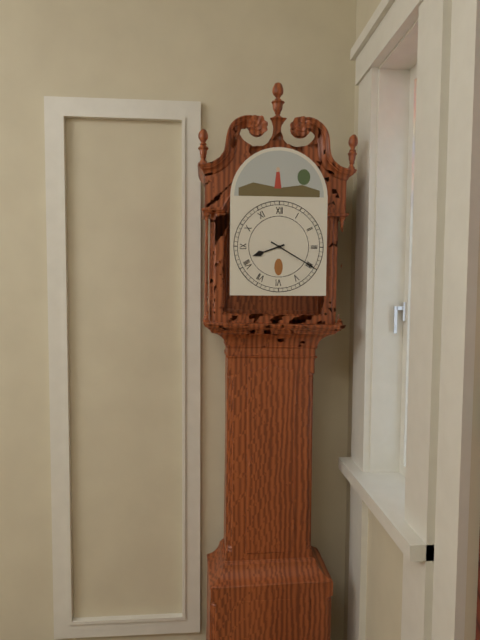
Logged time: **8:20**
